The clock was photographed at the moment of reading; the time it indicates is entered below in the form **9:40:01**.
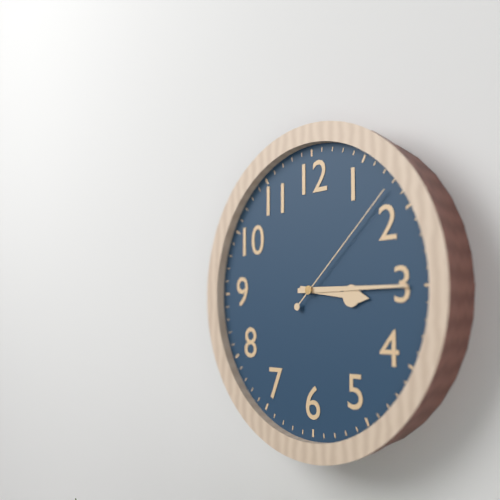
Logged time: **3:15:08**
